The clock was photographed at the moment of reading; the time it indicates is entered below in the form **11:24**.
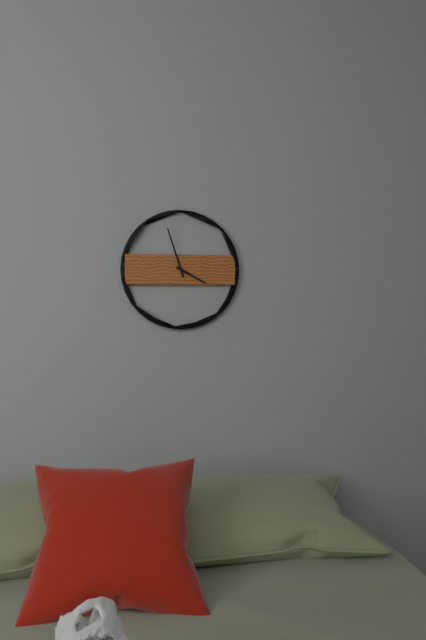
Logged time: **3:57**
